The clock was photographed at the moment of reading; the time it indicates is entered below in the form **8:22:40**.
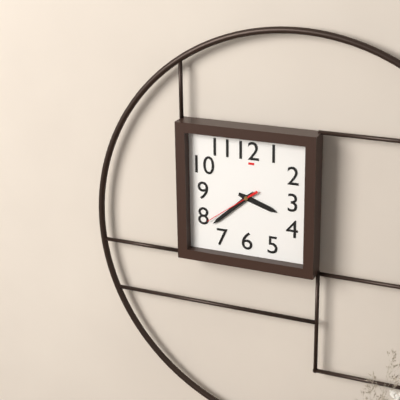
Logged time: **3:38:39**
